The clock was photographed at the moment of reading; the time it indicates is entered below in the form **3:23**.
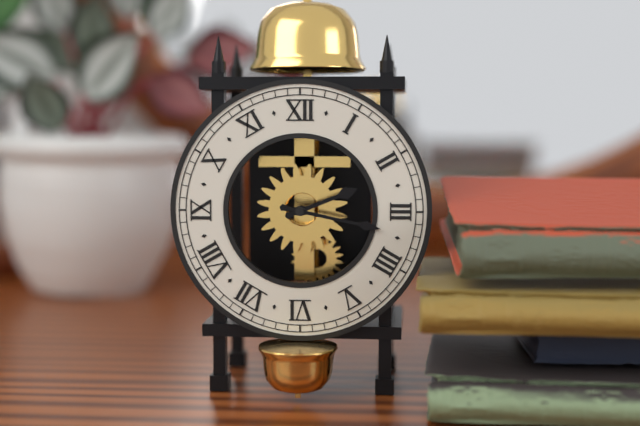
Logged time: **2:17**
